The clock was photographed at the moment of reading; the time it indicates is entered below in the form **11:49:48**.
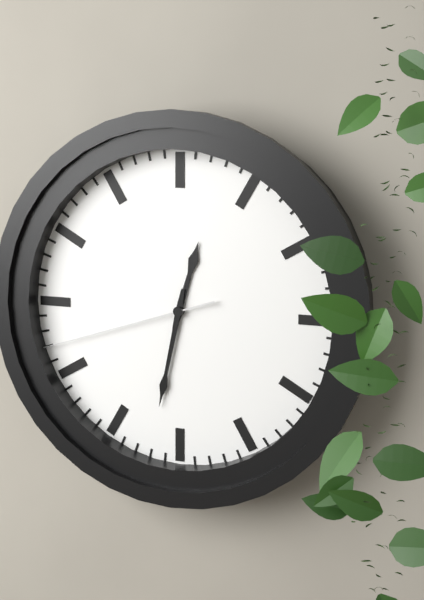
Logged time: **12:32:42**
